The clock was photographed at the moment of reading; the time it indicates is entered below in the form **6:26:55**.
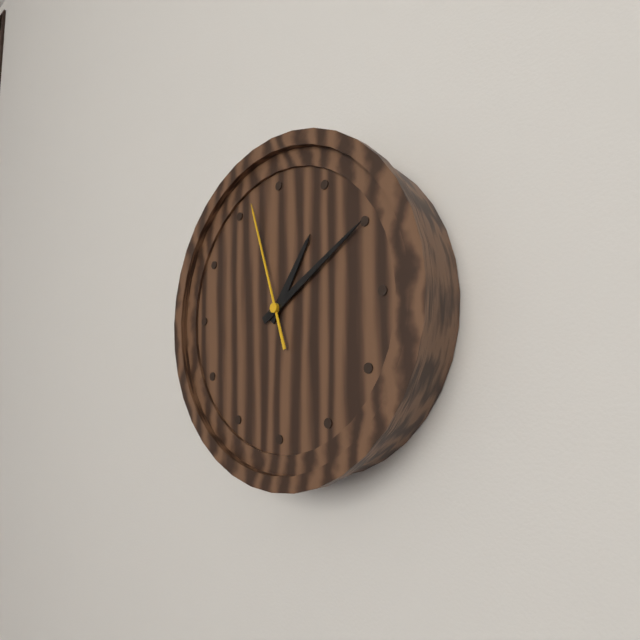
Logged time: **1:10:57**
